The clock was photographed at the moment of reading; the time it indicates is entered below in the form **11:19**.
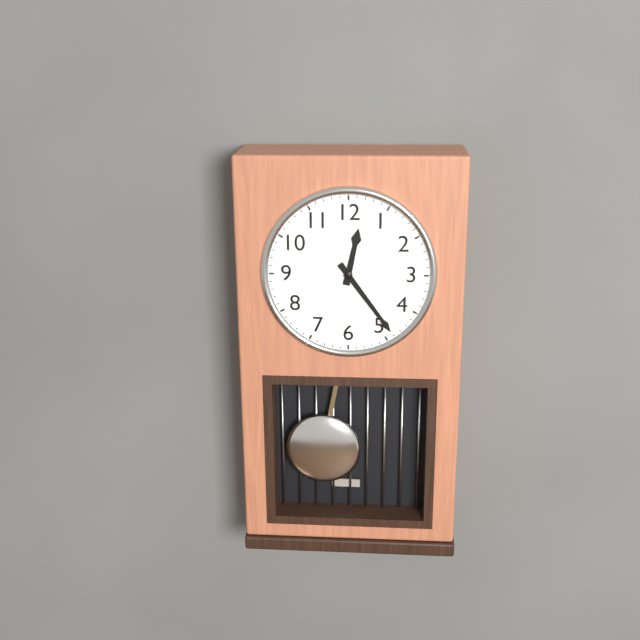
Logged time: **12:24**
